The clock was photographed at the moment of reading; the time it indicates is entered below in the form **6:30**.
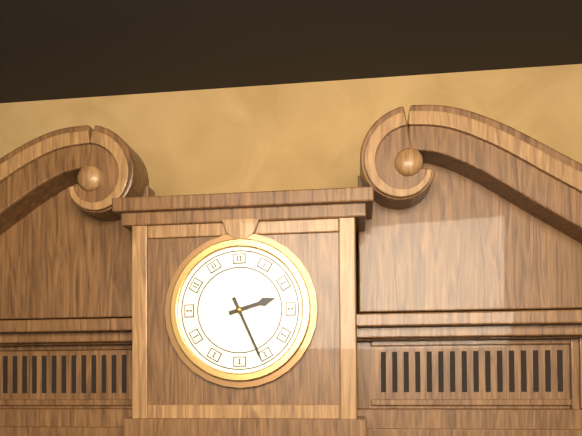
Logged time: **2:26**
